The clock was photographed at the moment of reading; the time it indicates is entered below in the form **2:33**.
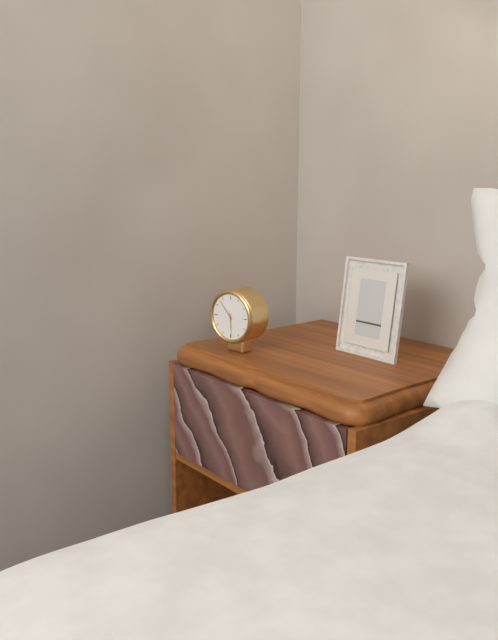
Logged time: **5:53**
